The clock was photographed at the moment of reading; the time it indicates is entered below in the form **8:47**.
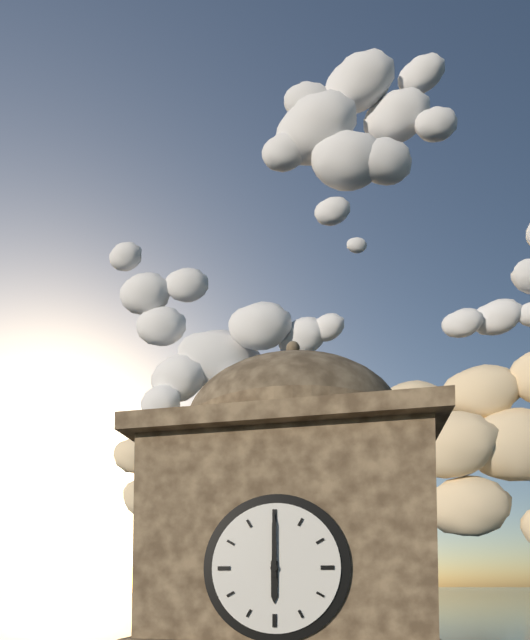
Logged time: **6:00**
